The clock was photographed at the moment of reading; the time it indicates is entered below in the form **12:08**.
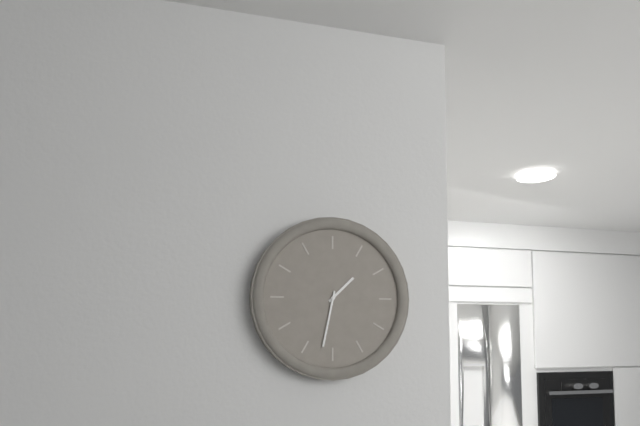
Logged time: **1:32**
